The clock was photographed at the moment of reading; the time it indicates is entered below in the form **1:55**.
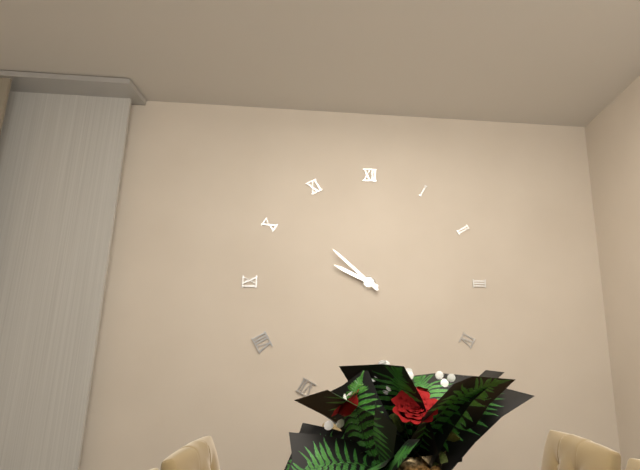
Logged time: **9:52**
